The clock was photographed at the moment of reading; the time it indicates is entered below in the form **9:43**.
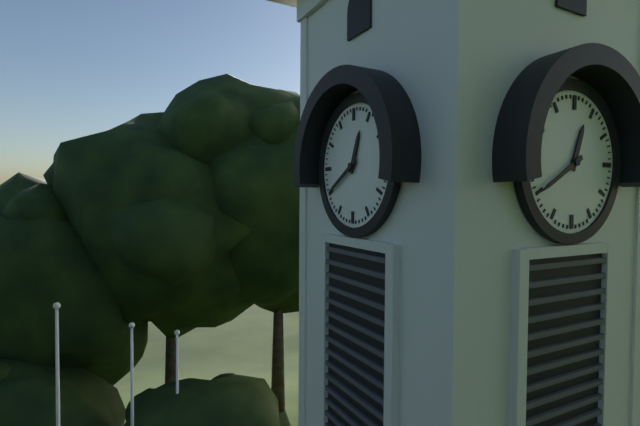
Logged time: **12:40**
